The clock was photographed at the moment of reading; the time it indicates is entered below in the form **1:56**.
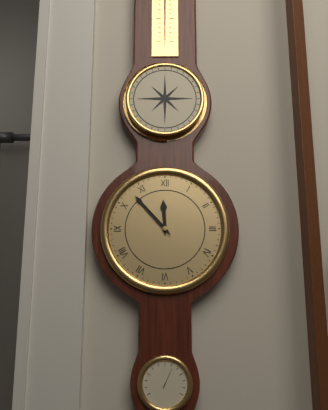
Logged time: **11:53**
